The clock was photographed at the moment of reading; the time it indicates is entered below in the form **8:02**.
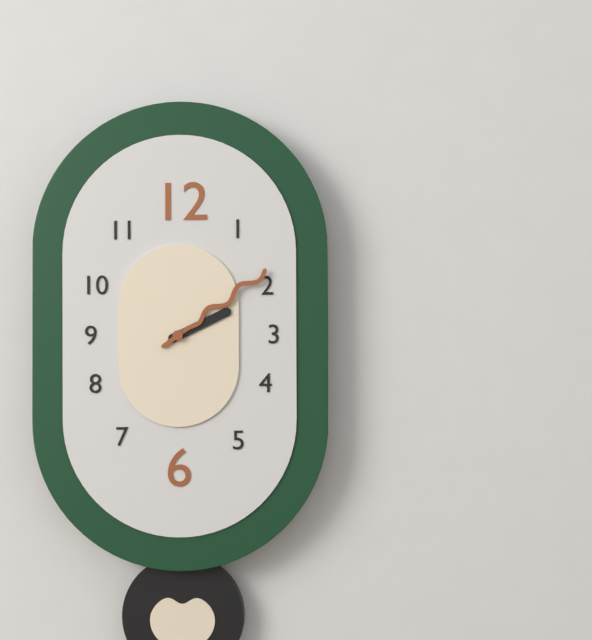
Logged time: **2:09**
